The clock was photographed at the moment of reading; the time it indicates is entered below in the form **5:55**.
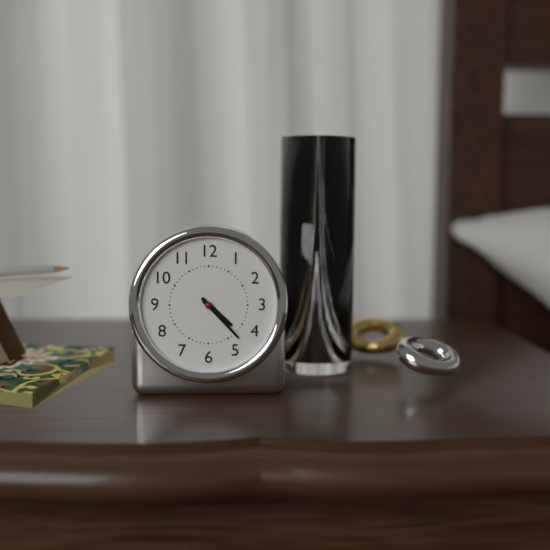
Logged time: **4:23**
